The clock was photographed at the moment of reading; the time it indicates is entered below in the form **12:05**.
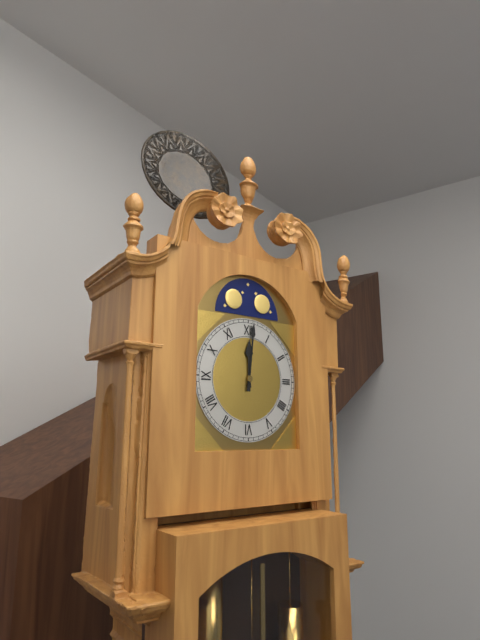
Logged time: **12:01**
